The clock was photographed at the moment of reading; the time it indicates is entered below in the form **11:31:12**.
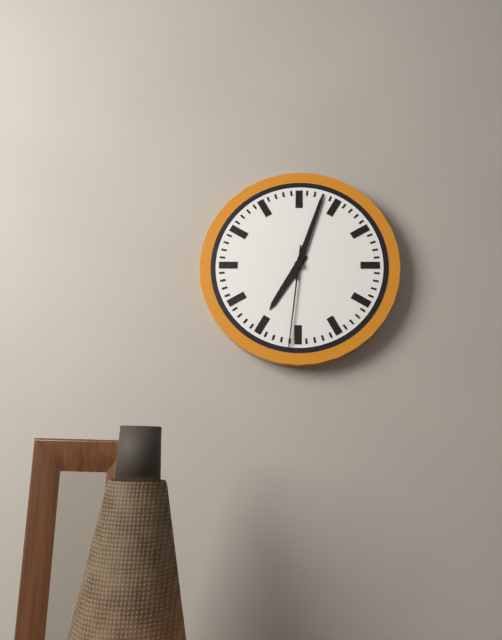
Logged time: **7:03:31**
